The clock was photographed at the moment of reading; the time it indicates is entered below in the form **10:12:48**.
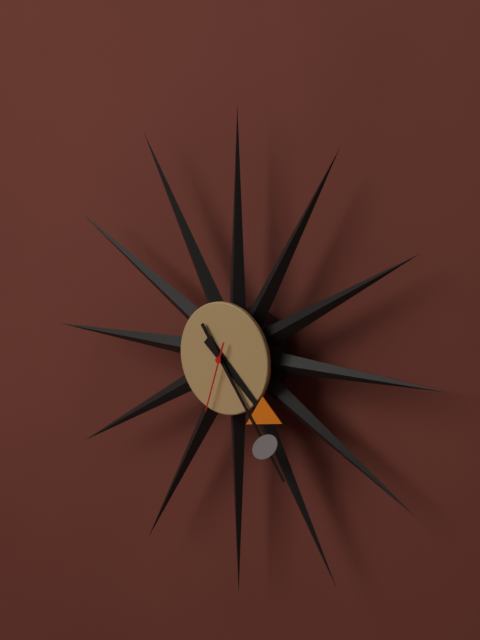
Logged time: **4:24:33**
